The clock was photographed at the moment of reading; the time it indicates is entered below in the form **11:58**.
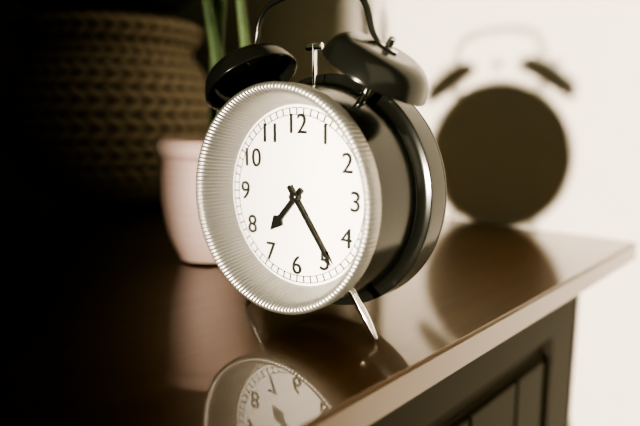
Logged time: **7:24**
